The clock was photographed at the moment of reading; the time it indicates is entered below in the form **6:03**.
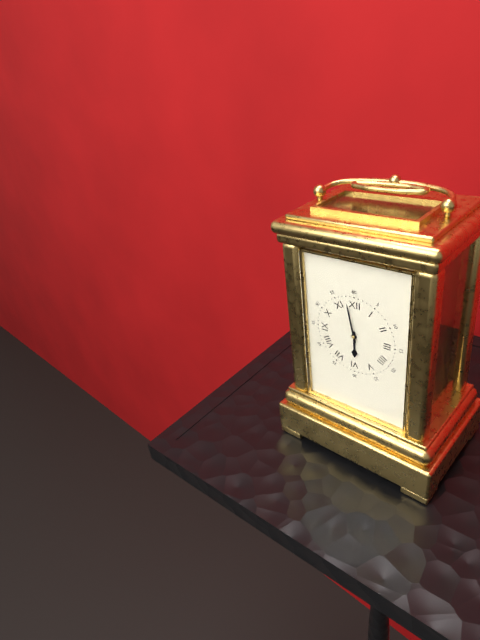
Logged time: **5:58**
